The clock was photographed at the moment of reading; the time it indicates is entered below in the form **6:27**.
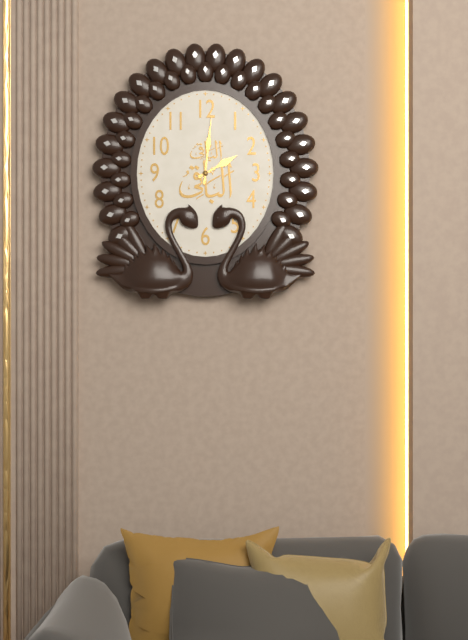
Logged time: **2:01**
